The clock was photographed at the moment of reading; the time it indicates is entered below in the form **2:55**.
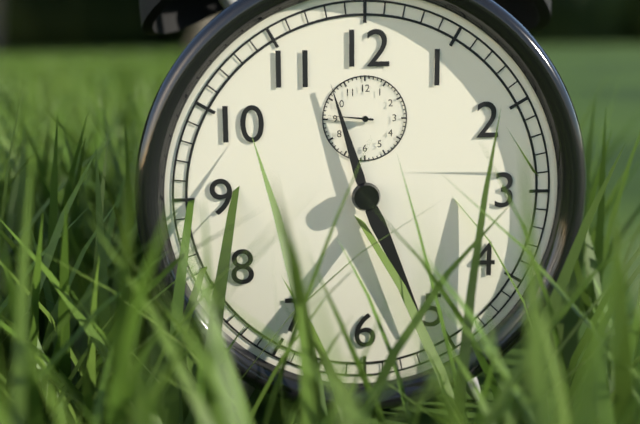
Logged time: **11:26**
